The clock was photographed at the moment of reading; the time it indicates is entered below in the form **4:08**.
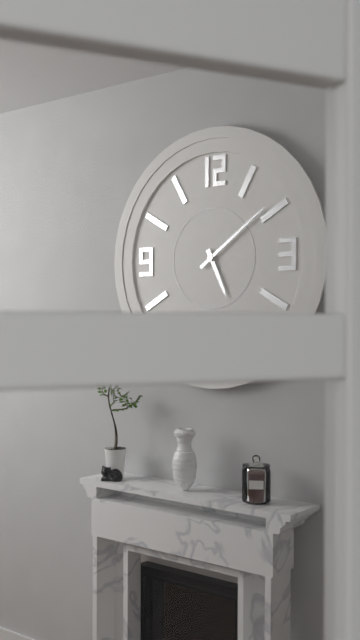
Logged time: **5:09**
